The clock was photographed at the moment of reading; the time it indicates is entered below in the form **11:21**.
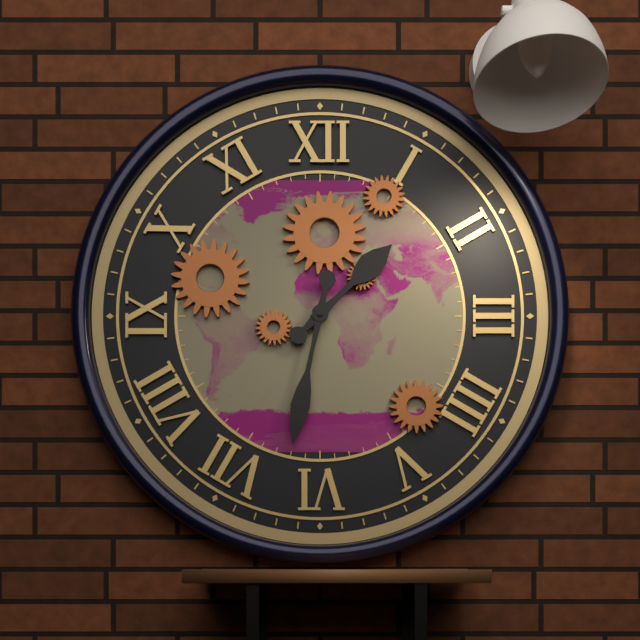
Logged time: **1:32**
